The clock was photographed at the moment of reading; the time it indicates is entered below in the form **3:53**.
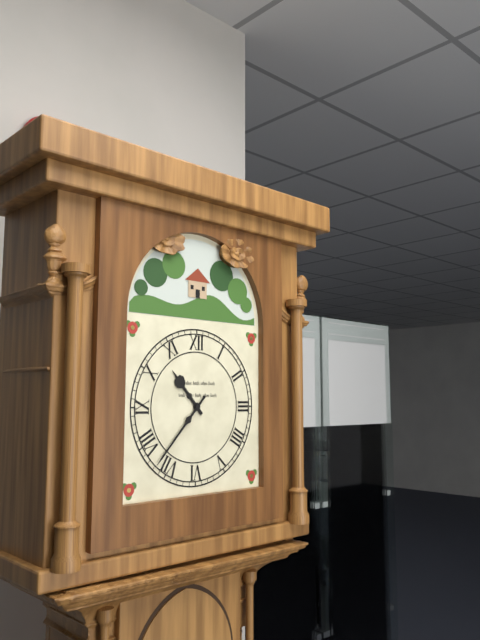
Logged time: **10:37**
